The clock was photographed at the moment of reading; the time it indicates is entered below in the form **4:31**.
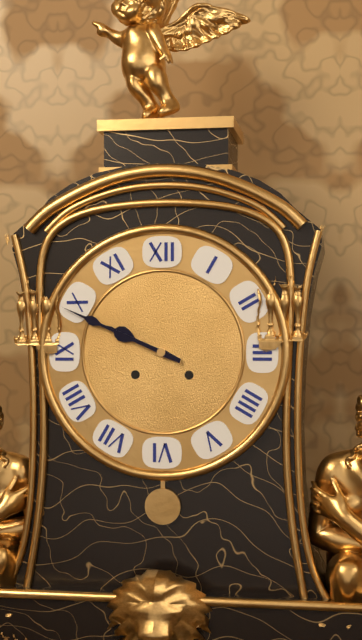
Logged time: **9:49**
